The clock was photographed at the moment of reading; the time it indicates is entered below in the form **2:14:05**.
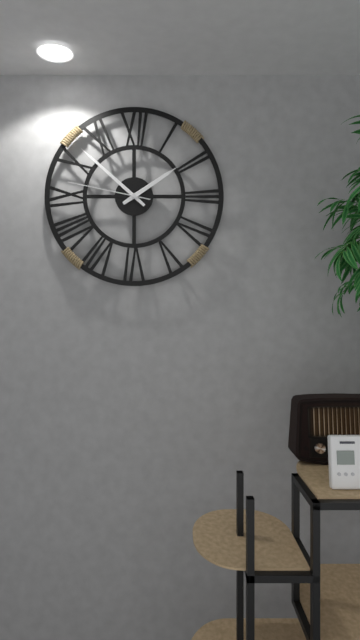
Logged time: **1:52:47**
